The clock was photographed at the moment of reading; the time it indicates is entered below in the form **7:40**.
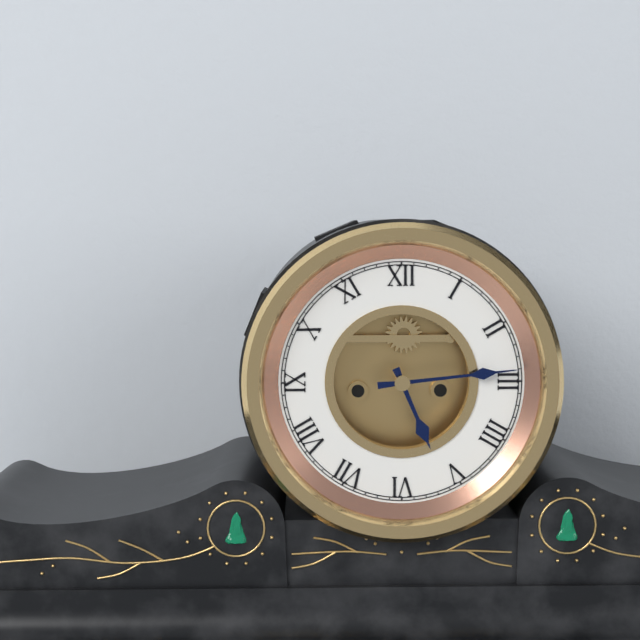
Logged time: **5:14**
